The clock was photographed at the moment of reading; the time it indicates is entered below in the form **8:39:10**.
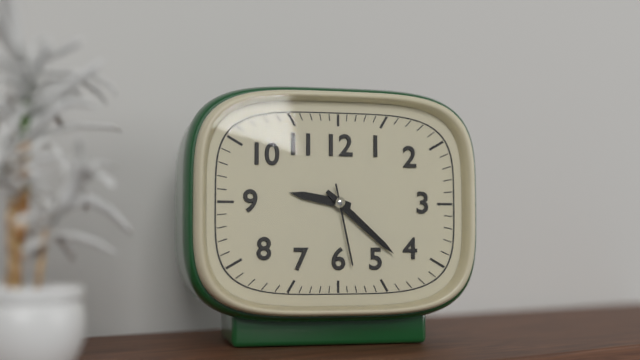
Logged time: **9:22:28**
